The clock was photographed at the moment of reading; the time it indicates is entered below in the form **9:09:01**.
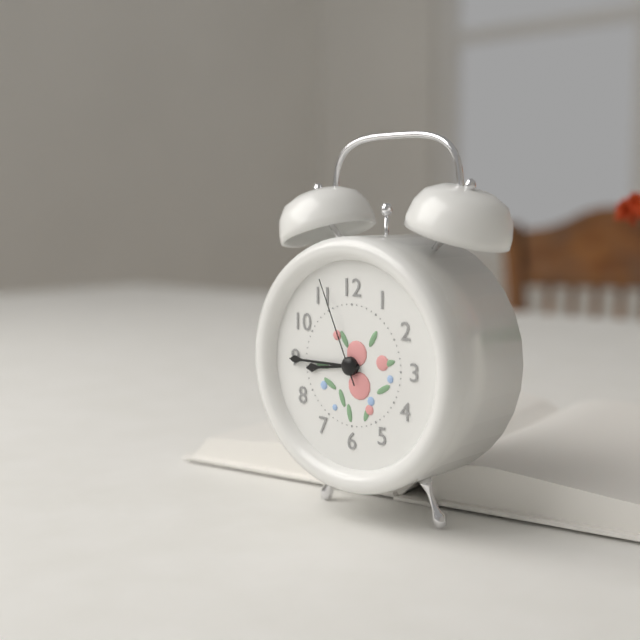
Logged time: **8:45:56**
